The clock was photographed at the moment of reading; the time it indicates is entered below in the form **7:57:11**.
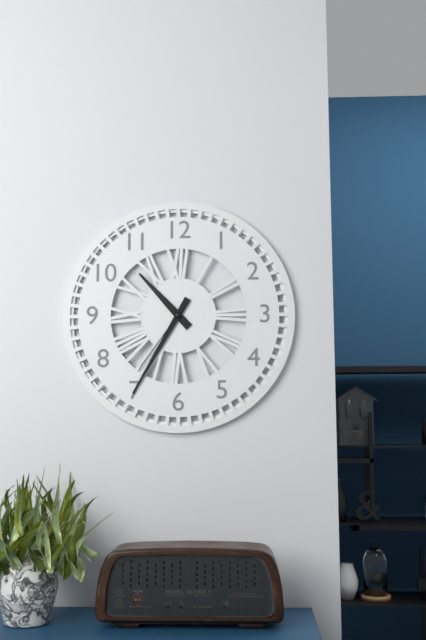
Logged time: **10:35:36**
